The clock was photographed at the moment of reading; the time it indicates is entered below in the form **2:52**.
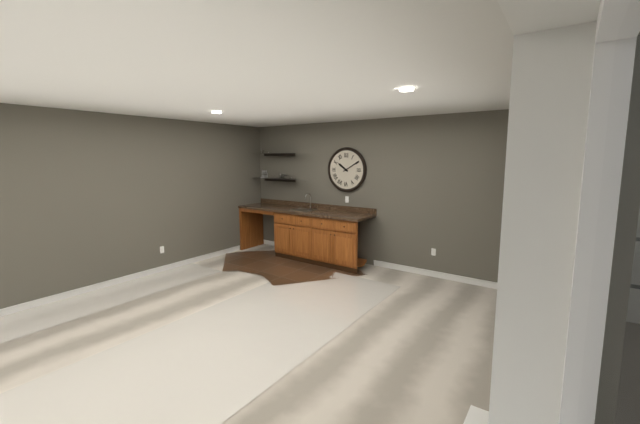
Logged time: **10:10**
